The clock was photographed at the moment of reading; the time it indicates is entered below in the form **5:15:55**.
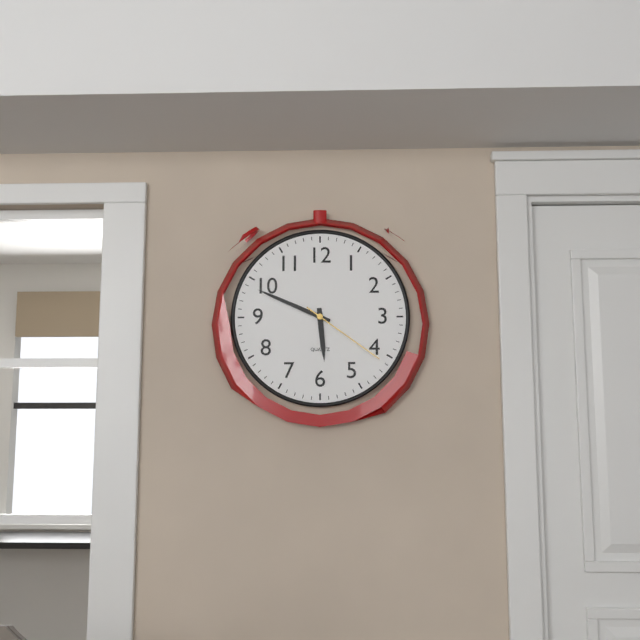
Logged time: **5:49:21**
